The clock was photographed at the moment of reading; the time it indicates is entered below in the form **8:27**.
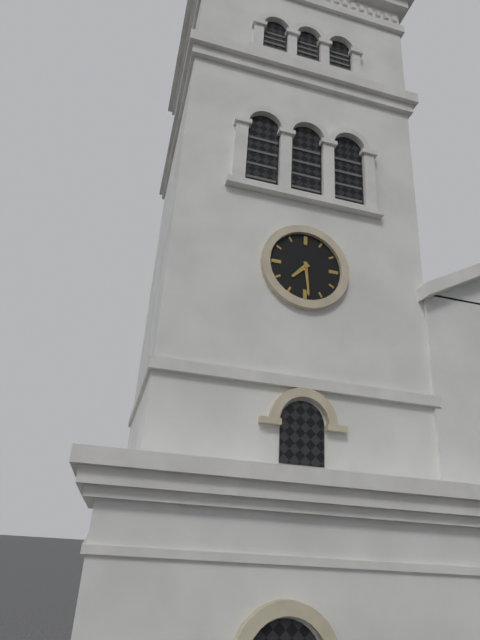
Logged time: **7:29**
